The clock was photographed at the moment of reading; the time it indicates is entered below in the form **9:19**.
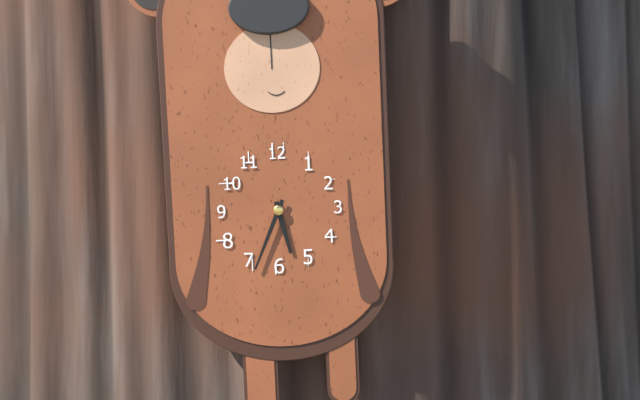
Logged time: **5:34**
